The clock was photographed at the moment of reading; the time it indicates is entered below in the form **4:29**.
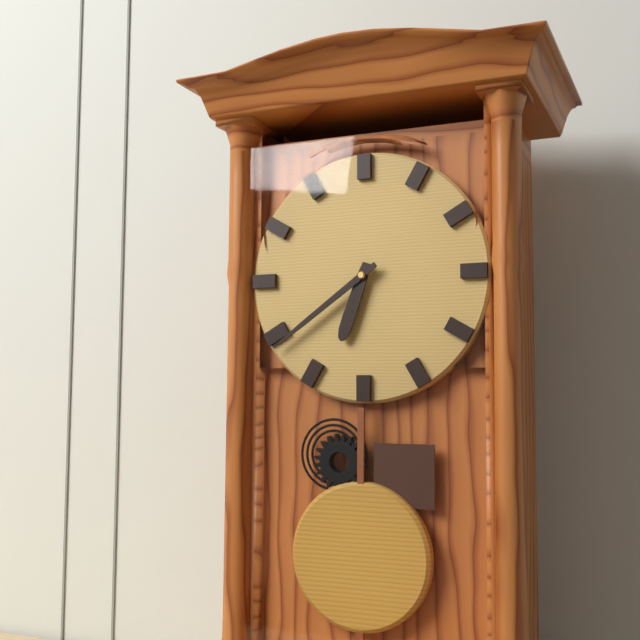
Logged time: **6:39**
